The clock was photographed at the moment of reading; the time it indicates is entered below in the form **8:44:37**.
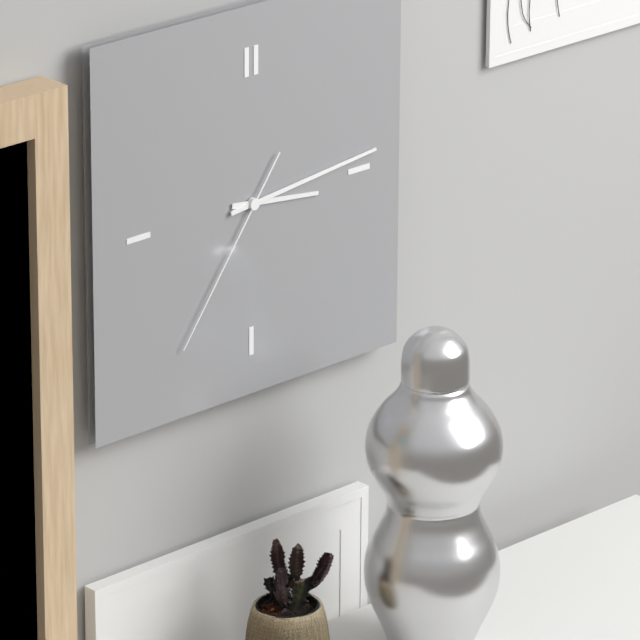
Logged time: **3:14:36**
